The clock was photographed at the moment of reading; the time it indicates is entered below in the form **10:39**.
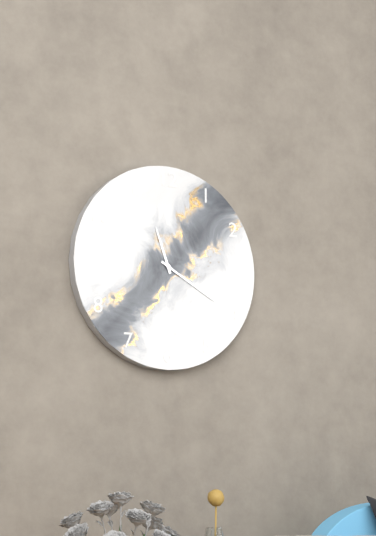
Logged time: **11:20**
